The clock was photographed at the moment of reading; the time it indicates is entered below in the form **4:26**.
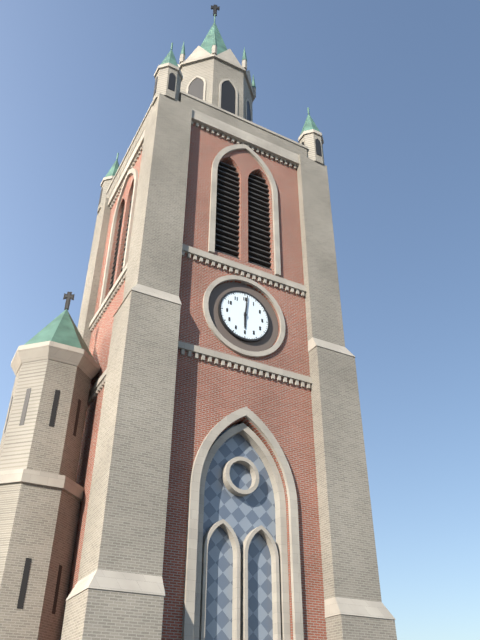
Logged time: **6:01**
